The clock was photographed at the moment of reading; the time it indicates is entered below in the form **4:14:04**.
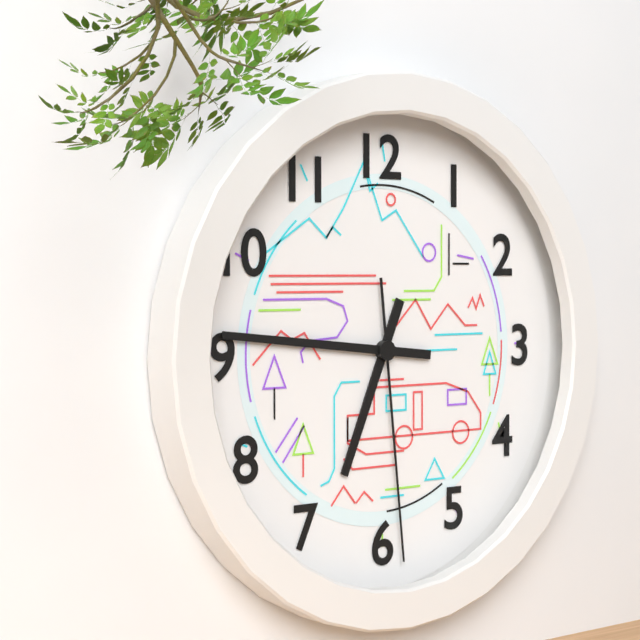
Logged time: **6:46:29**
